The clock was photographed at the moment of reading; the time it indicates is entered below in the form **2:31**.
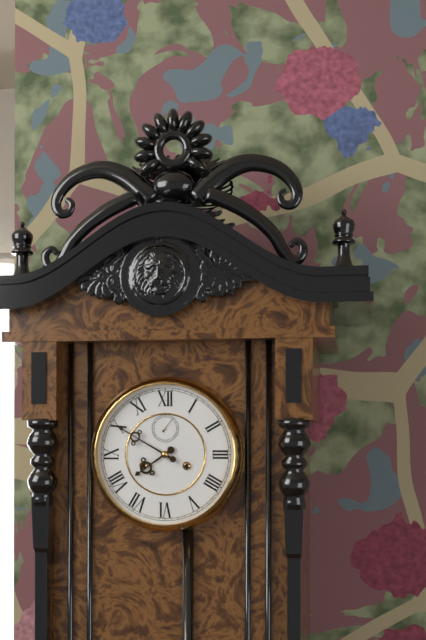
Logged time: **7:50**
